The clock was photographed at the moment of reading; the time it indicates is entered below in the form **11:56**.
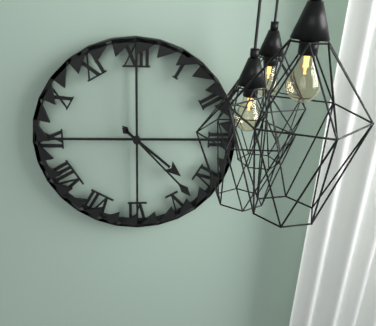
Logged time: **4:23**
